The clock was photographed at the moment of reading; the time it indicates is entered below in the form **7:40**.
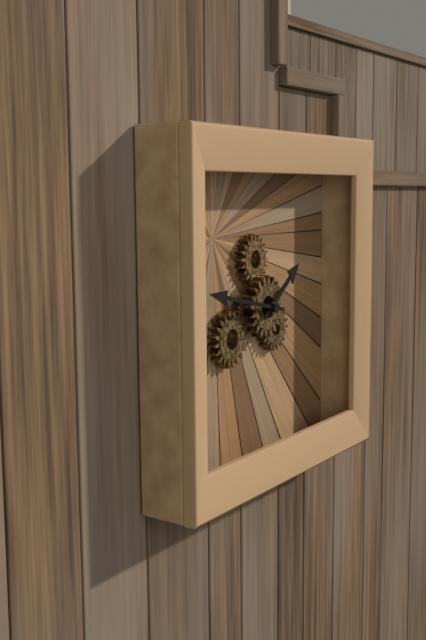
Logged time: **1:47**
